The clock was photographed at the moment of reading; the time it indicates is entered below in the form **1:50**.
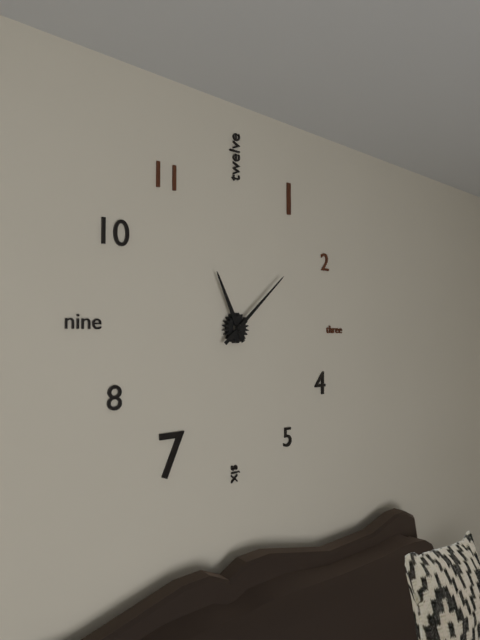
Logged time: **11:08**
